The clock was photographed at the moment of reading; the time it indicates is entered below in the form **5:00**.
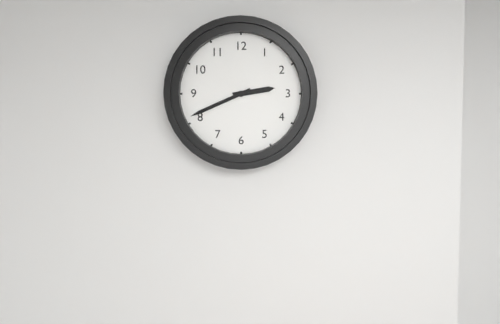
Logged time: **2:41**
